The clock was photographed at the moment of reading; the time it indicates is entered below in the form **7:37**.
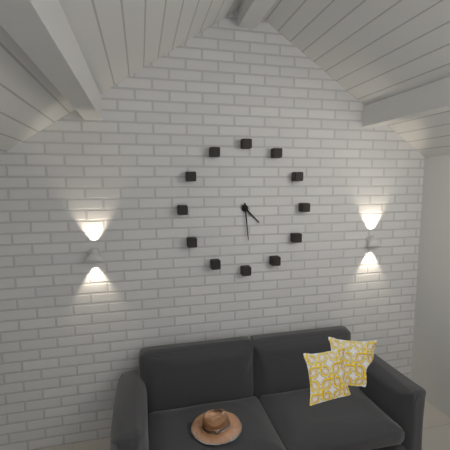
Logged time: **4:29**
